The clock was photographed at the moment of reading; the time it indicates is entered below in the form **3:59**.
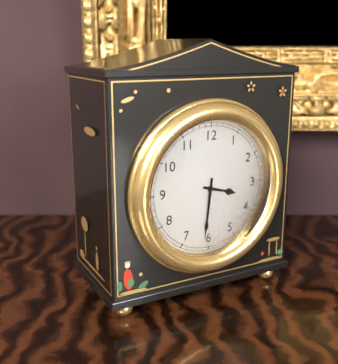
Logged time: **3:31**
